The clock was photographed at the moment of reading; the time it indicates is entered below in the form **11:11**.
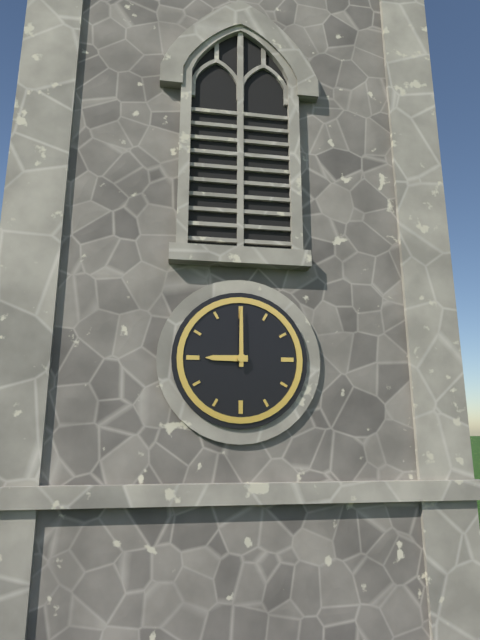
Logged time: **9:00**
